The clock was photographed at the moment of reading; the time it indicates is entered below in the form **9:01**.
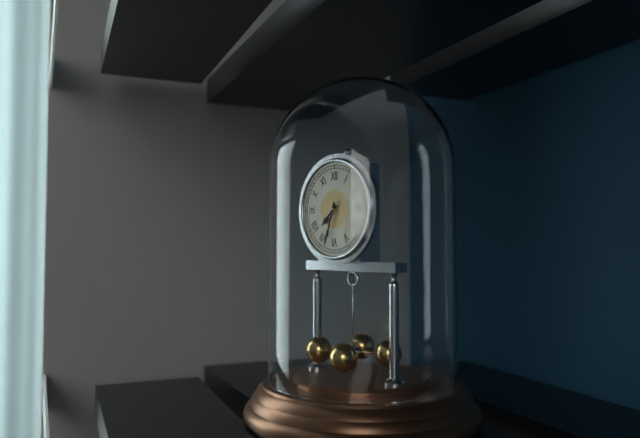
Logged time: **7:33**
